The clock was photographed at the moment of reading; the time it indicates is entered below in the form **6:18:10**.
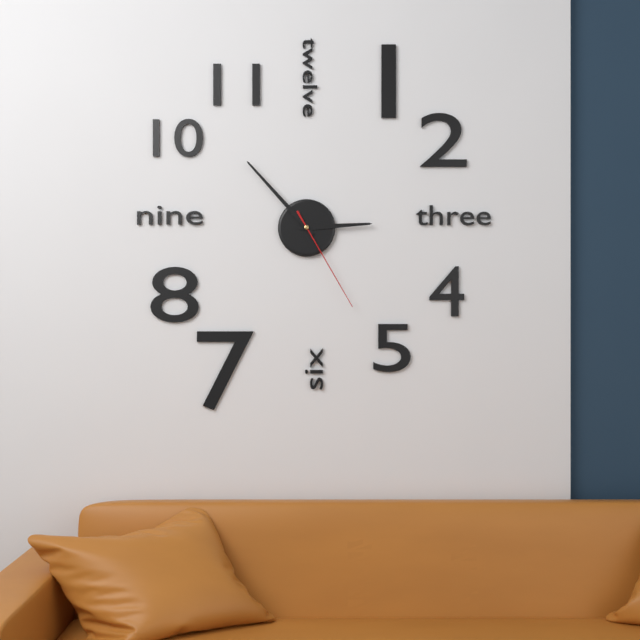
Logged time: **2:53:25**
